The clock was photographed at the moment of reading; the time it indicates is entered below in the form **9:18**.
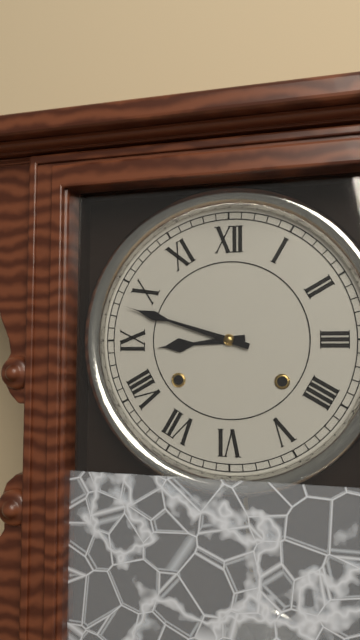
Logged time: **8:48**
